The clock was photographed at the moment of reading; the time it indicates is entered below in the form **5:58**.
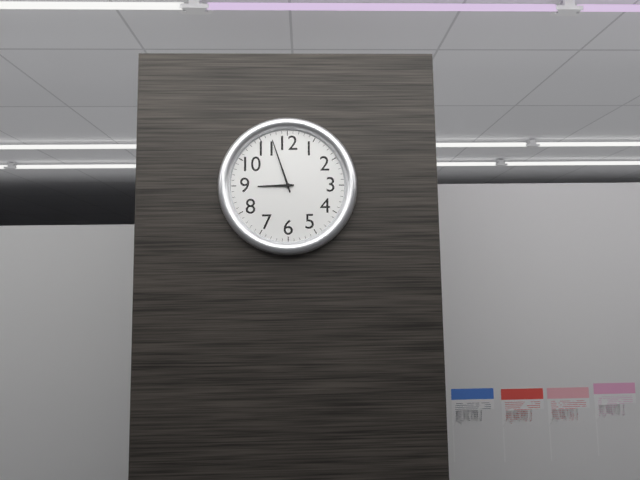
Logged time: **8:57**
